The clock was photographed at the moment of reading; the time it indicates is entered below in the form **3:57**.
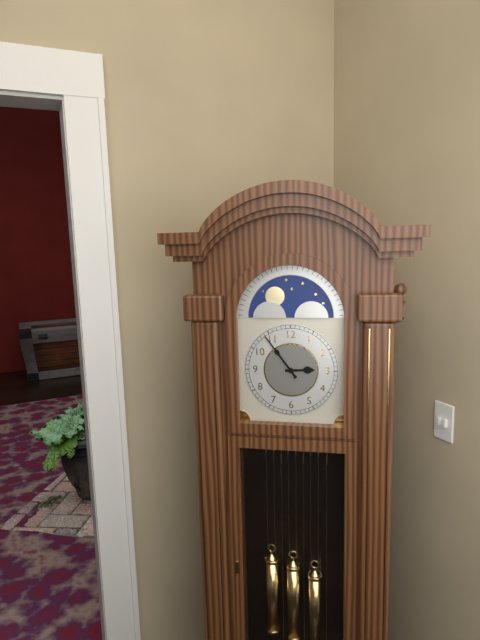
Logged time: **2:54**
